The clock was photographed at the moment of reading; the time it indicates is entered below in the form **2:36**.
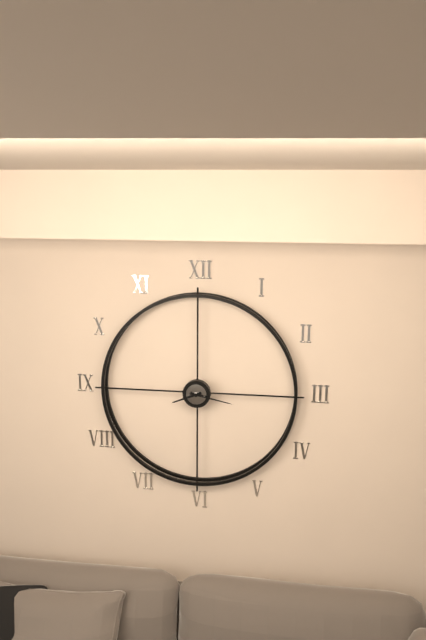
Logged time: **8:17**
